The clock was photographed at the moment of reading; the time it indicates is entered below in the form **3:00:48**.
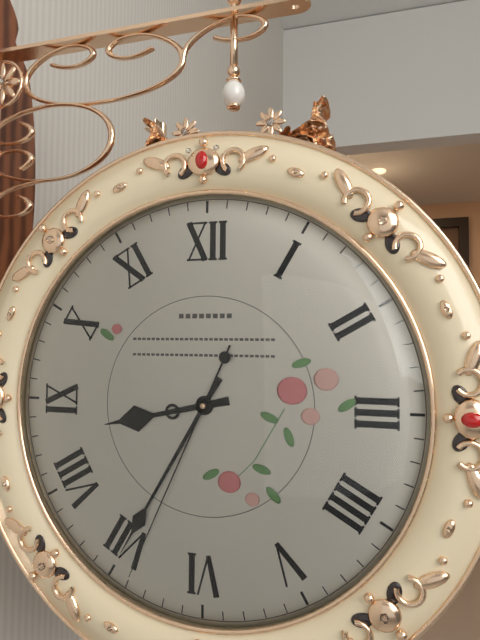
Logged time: **8:35:34**
